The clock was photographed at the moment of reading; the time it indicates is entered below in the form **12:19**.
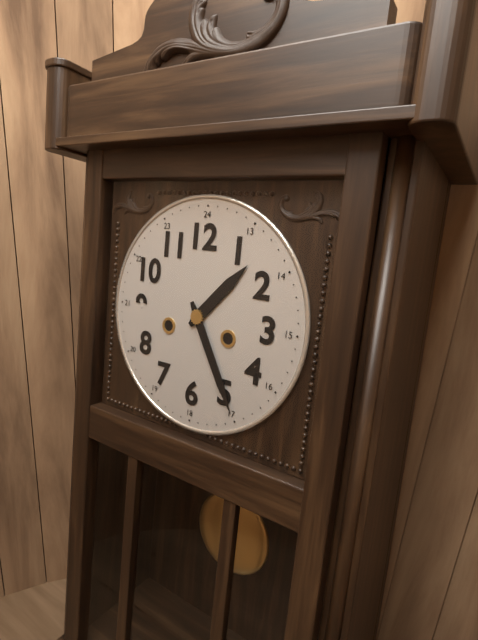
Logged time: **1:25**
